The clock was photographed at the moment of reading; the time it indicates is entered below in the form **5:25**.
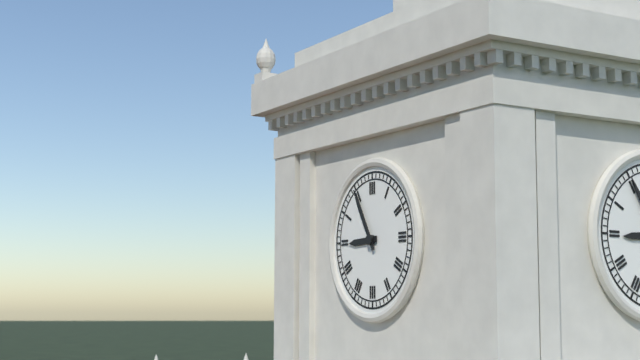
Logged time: **8:55**
